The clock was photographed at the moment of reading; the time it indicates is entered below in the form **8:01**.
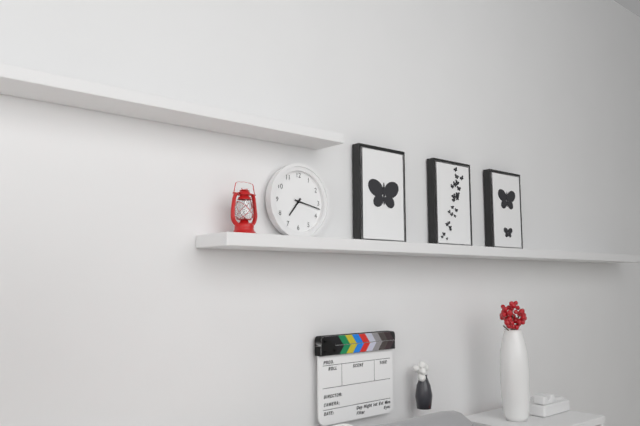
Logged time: **7:17**
